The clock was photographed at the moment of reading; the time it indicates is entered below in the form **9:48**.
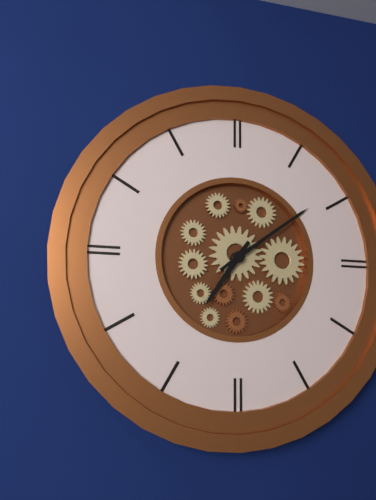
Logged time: **7:09**
